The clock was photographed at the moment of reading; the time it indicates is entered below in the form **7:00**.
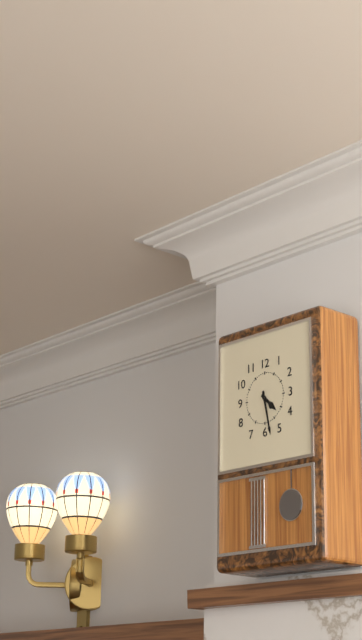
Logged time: **4:28**
